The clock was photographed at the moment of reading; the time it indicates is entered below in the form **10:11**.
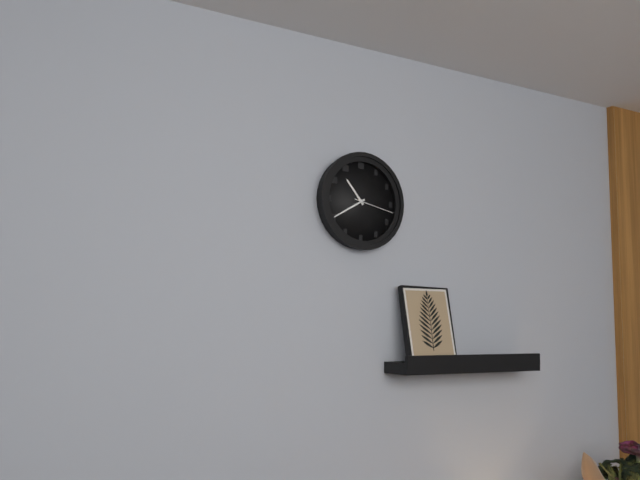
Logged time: **10:40**
